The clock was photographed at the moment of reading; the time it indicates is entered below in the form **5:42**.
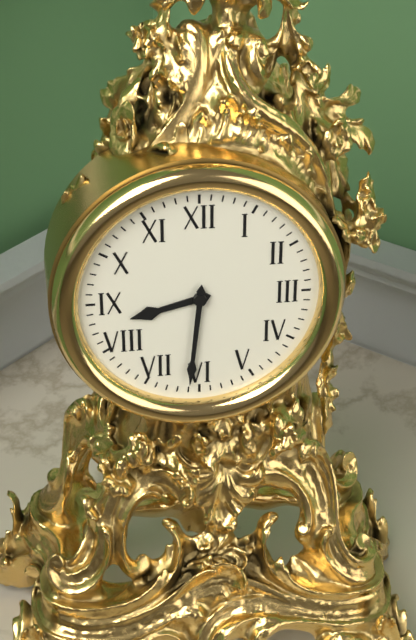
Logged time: **8:31**
